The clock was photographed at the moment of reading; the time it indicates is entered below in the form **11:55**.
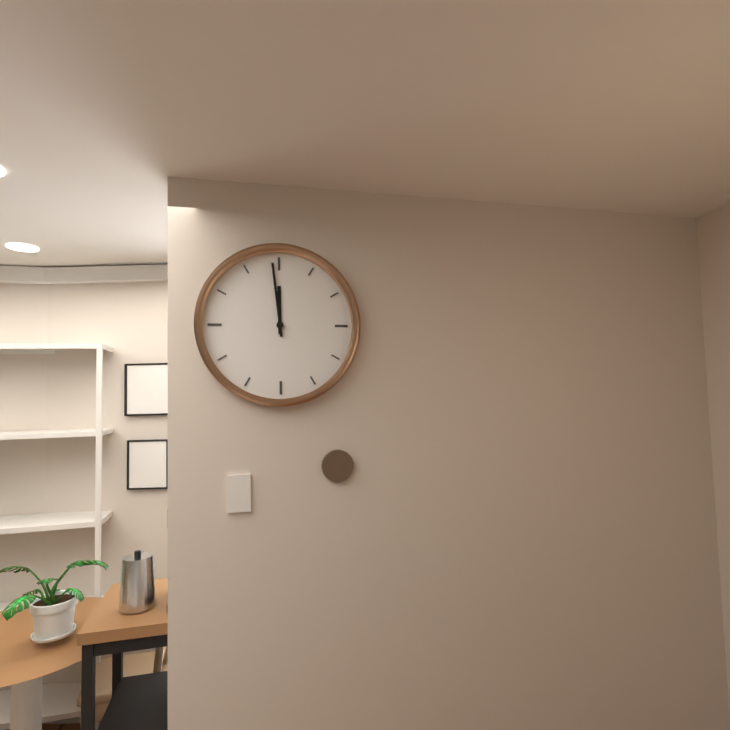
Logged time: **11:59**
